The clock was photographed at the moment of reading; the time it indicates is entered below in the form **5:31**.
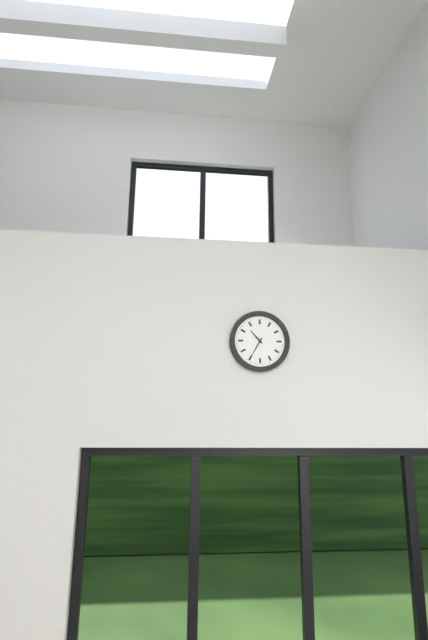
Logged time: **10:35**
